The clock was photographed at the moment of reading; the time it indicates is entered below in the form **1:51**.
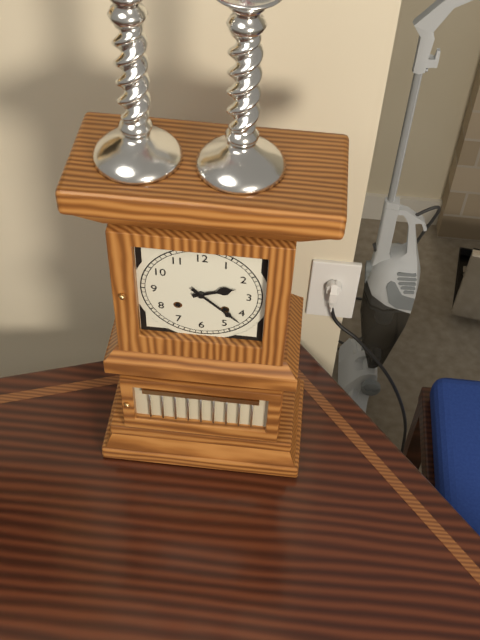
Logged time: **2:22**
